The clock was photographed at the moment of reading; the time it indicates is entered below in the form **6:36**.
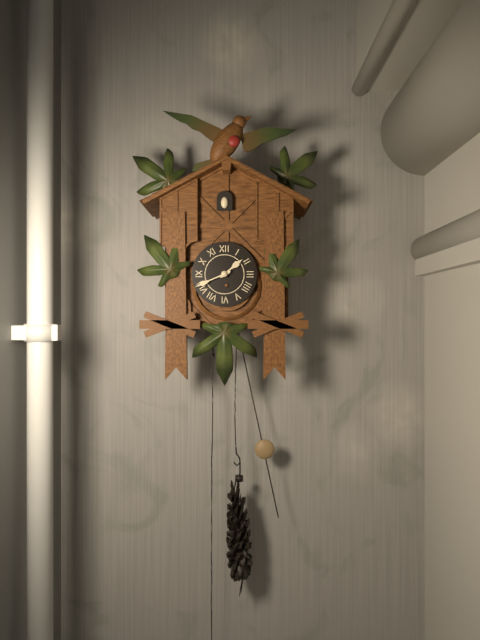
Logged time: **1:41**
